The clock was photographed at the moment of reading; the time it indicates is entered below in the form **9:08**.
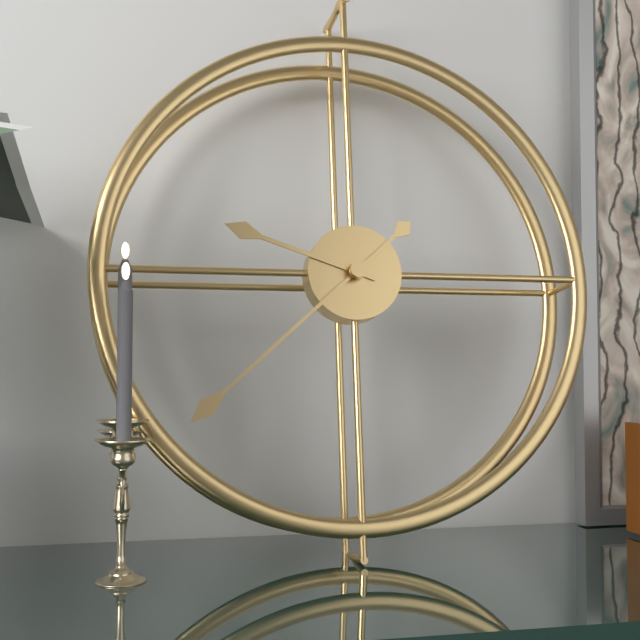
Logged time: **9:38**
